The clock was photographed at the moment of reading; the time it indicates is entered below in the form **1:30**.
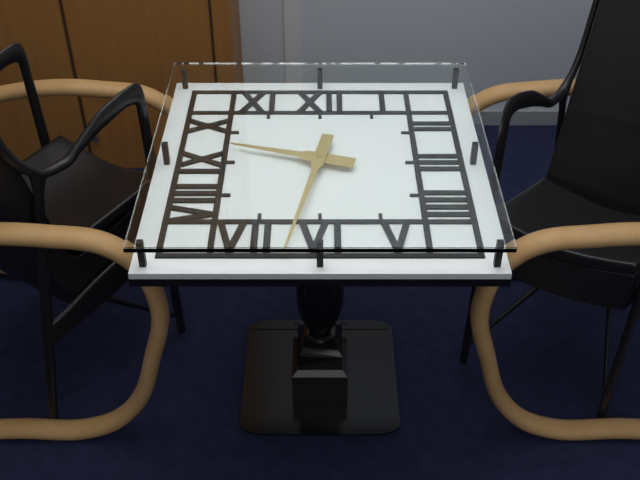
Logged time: **9:32**
